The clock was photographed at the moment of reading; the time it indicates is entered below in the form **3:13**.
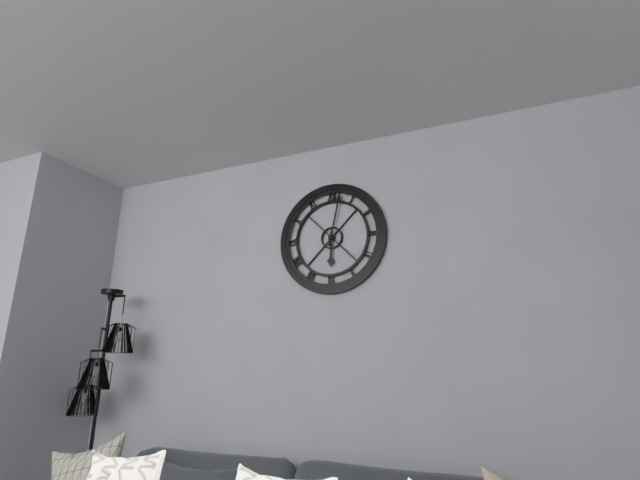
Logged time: **6:02**
